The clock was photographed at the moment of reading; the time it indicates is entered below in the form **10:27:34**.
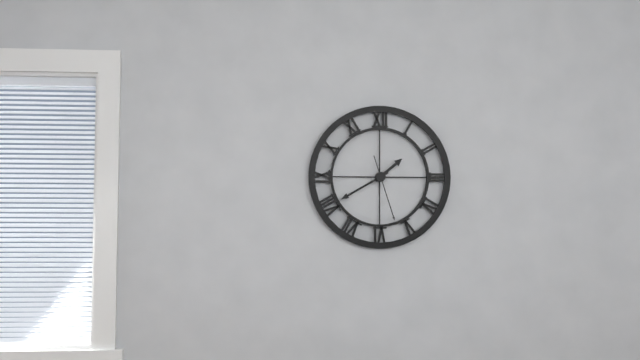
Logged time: **1:40:27**
